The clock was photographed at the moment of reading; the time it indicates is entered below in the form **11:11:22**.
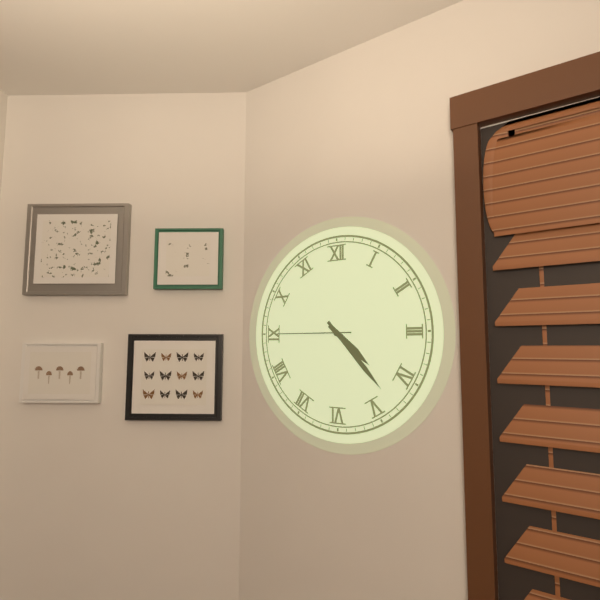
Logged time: **4:23:45**
